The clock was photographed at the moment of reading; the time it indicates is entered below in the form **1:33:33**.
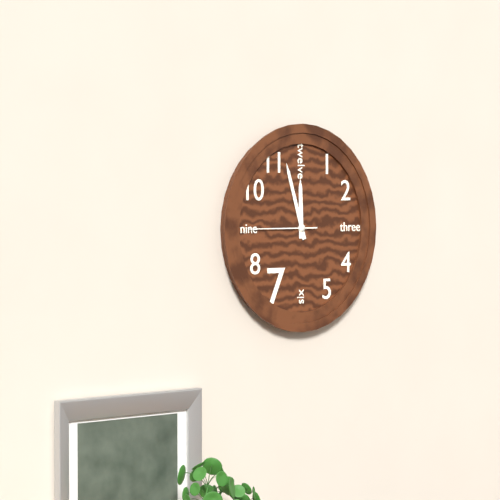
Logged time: **11:57:45**
